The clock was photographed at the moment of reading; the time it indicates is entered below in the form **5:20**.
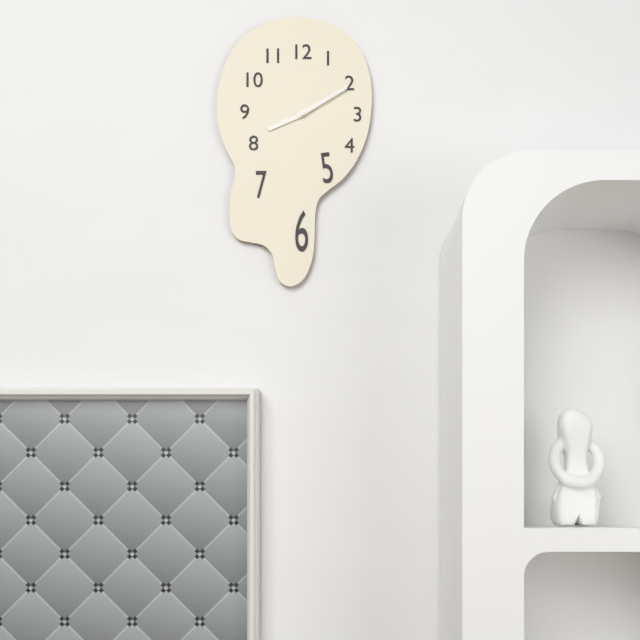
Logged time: **8:10**
